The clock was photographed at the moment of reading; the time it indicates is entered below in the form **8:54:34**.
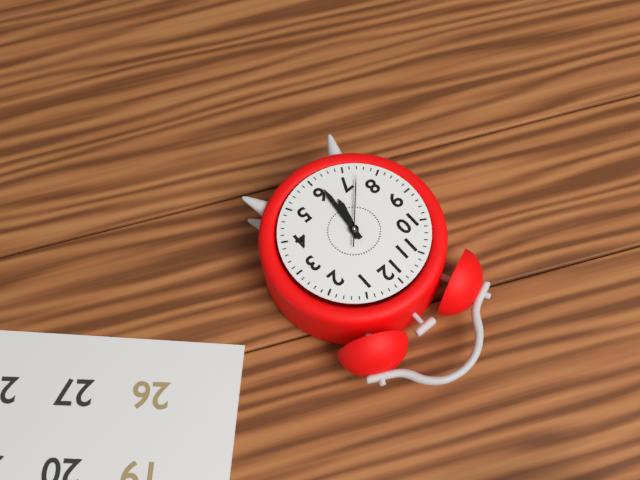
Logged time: **6:31:37**
